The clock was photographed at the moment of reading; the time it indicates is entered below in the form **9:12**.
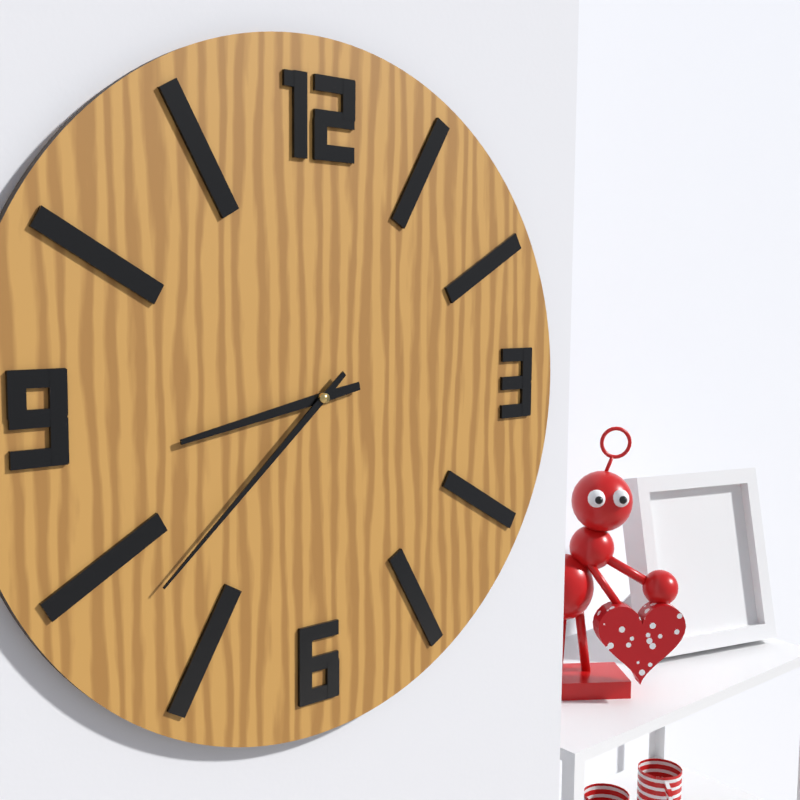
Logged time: **8:38**
